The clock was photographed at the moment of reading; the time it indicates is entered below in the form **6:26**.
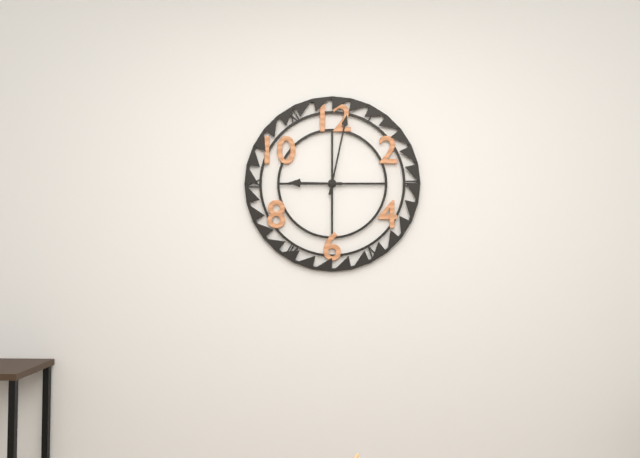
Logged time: **9:02**
